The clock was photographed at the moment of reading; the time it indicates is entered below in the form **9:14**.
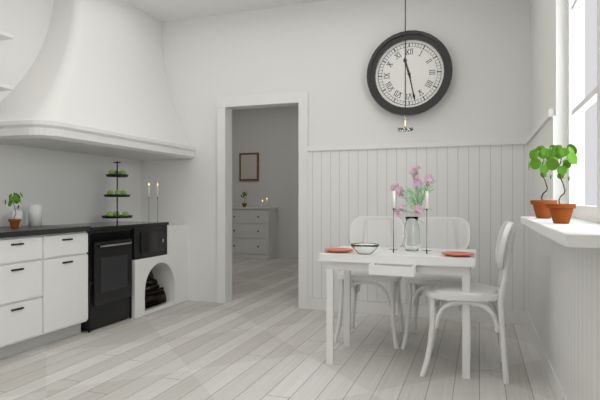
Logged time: **11:28**
